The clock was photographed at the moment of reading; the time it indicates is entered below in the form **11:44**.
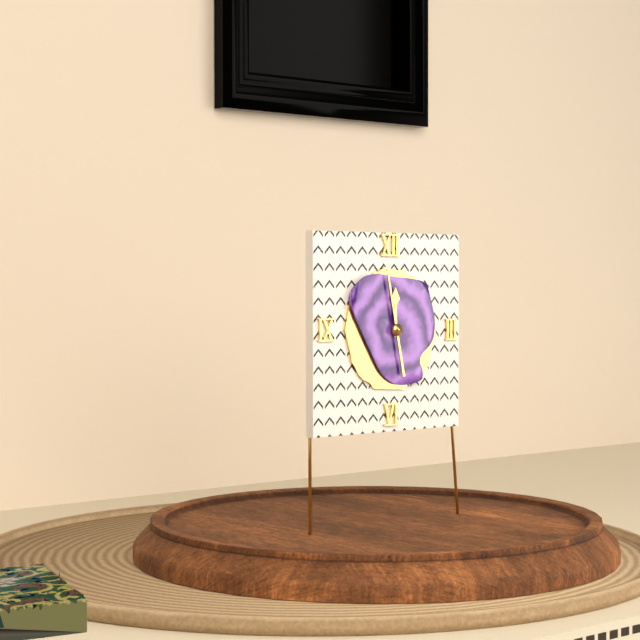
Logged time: **11:58**
